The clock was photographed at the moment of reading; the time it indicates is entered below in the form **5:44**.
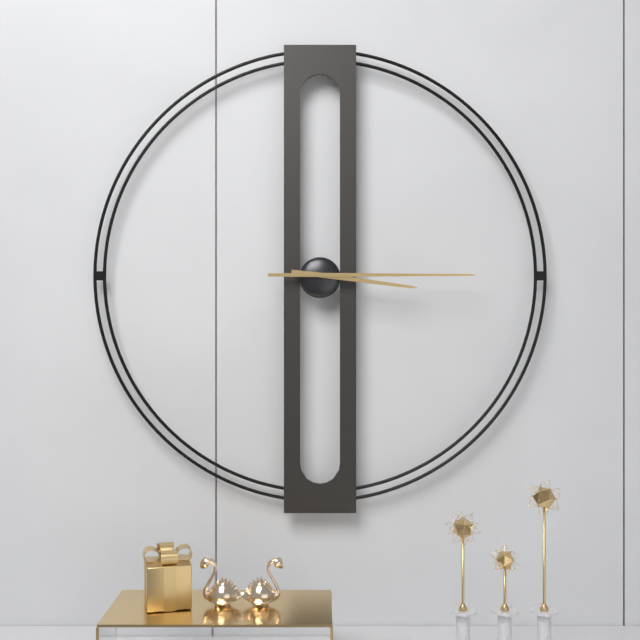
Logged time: **3:15**
